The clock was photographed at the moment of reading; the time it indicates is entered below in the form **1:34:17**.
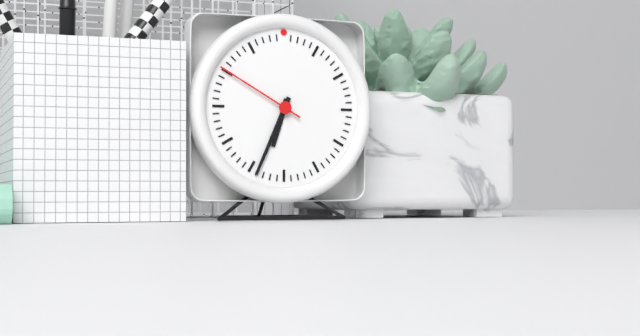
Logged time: **6:34:50**
